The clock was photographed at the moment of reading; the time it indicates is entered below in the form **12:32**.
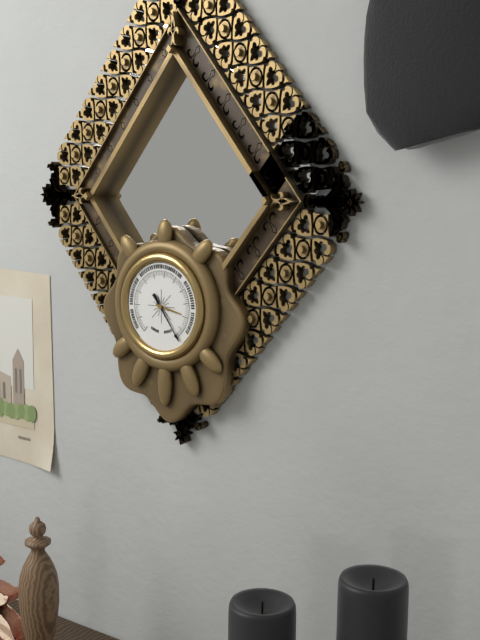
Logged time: **3:24**
